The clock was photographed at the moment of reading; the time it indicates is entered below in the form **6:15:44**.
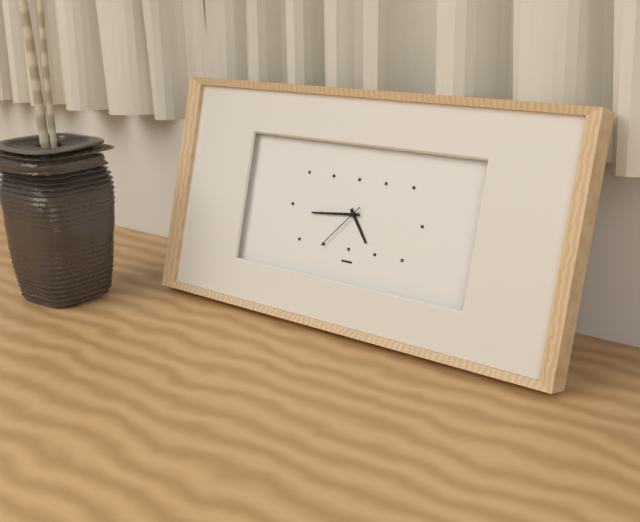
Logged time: **4:44:37**
